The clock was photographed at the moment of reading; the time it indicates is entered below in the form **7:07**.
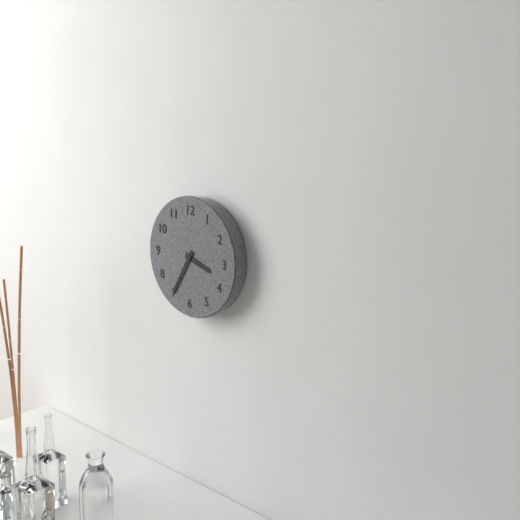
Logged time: **3:35**
